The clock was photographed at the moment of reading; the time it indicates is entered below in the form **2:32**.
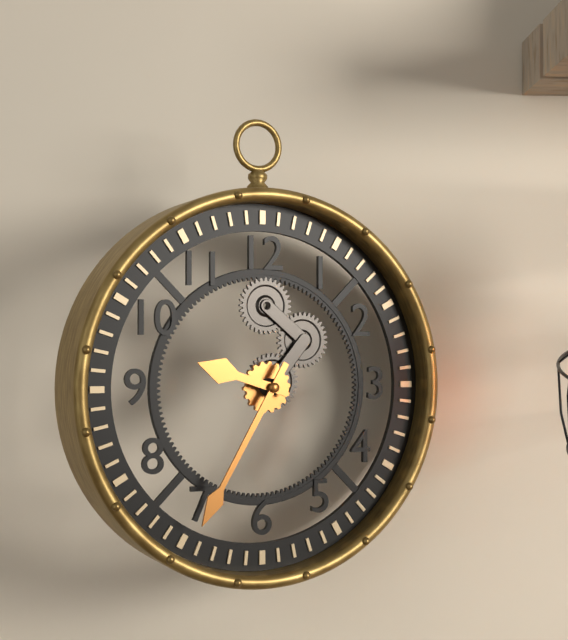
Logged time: **9:35**
